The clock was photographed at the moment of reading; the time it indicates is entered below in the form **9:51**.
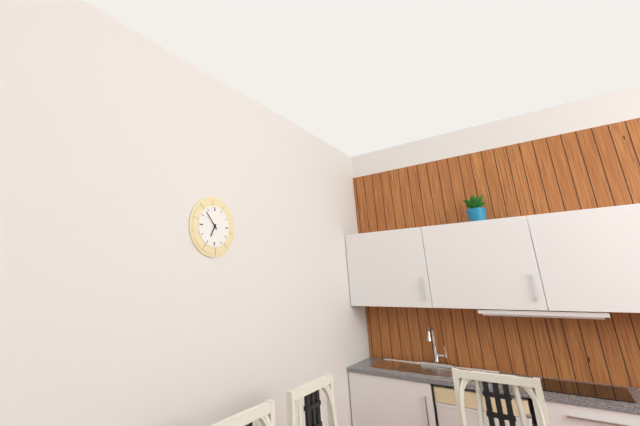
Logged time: **6:53**
